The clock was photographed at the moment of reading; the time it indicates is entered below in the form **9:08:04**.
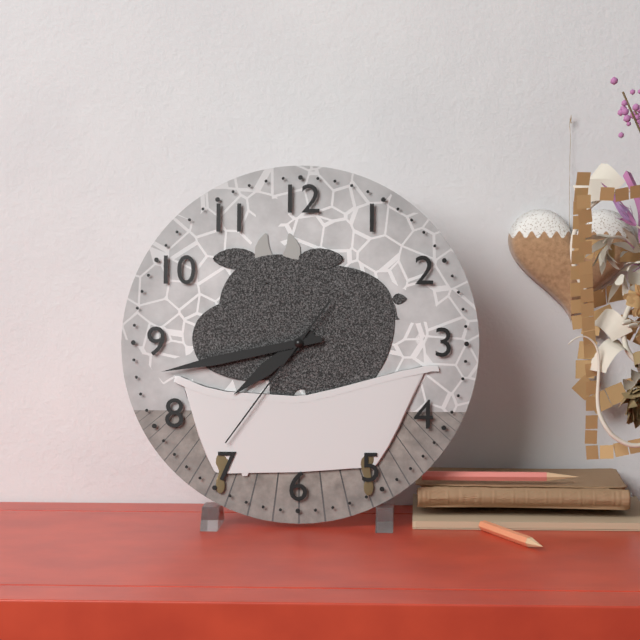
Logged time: **7:43:36**
